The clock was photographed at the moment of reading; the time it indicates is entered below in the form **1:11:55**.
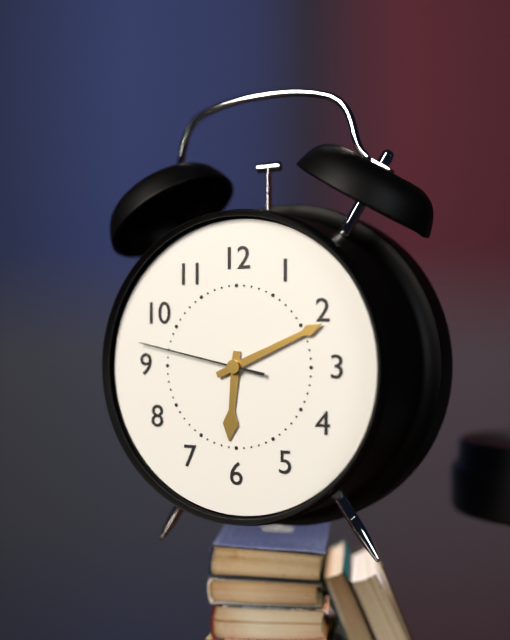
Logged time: **6:11:47**
